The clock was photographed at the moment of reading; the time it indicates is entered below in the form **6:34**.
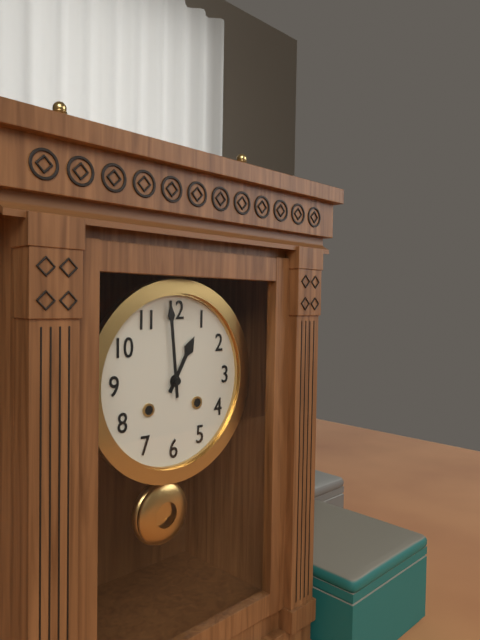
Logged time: **12:59**
